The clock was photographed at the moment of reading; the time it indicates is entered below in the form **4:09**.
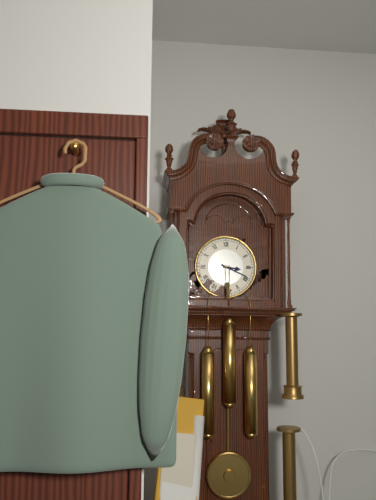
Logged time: **3:19**
